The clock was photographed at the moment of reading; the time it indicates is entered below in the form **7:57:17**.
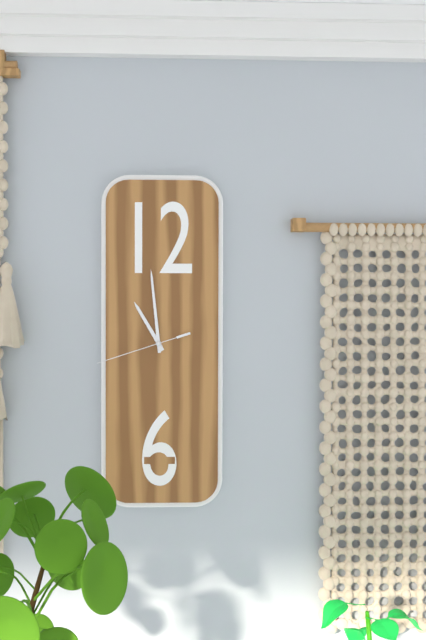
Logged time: **10:59:42**
